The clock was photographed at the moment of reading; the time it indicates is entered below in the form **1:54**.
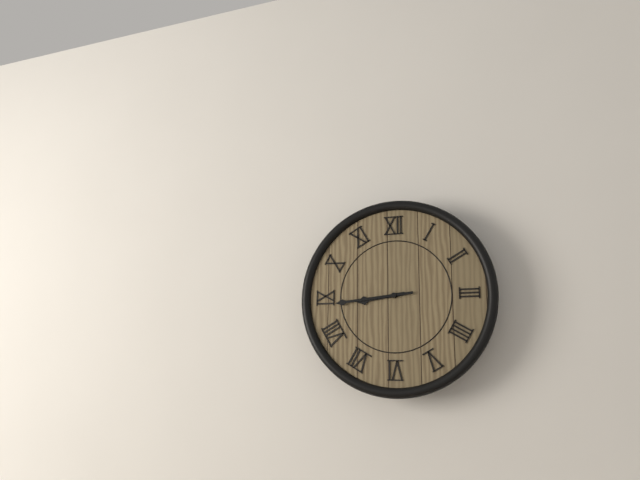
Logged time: **8:44**
